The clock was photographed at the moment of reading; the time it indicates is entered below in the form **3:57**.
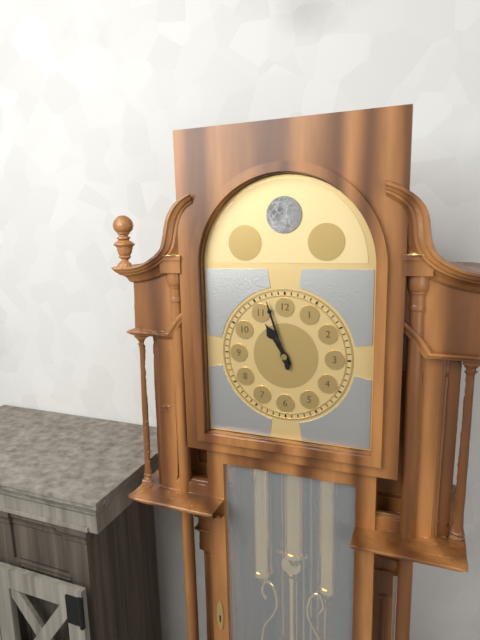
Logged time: **10:57**
